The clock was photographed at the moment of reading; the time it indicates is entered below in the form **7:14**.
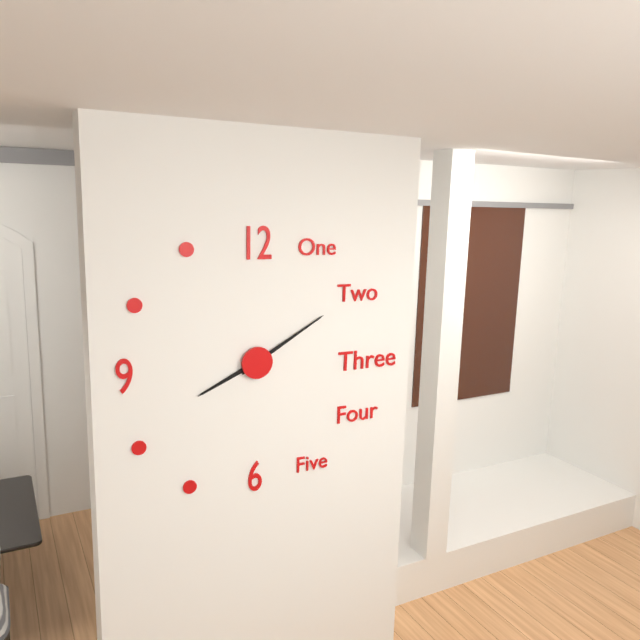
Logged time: **8:10**
